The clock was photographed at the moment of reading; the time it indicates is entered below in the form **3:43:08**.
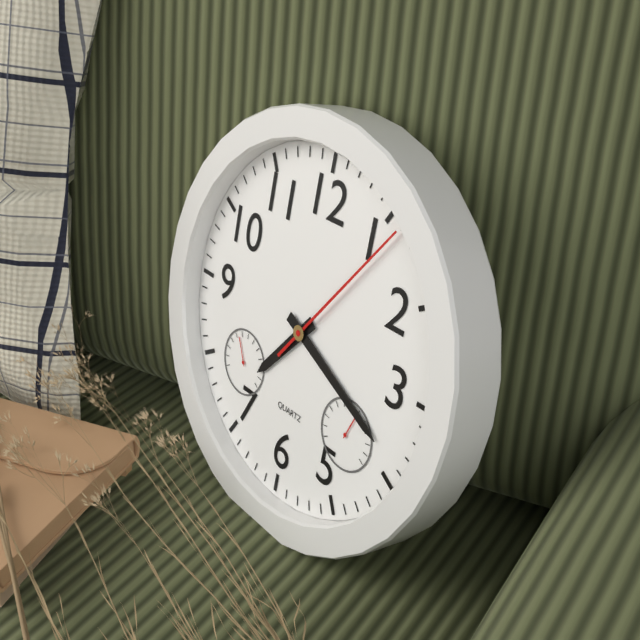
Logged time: **7:19:06**
